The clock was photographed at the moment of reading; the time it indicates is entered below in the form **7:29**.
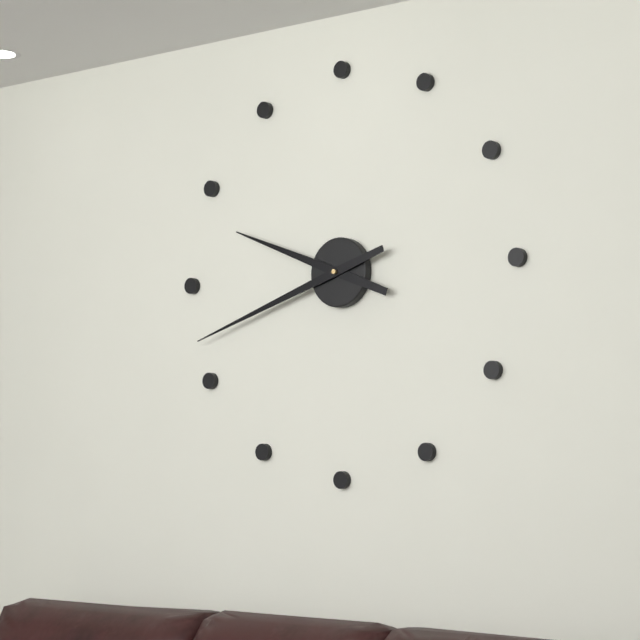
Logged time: **9:42**
